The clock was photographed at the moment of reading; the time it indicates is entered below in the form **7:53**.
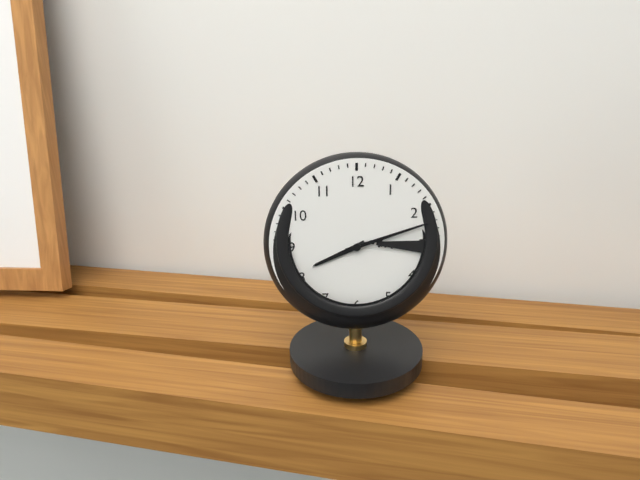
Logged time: **8:12**
